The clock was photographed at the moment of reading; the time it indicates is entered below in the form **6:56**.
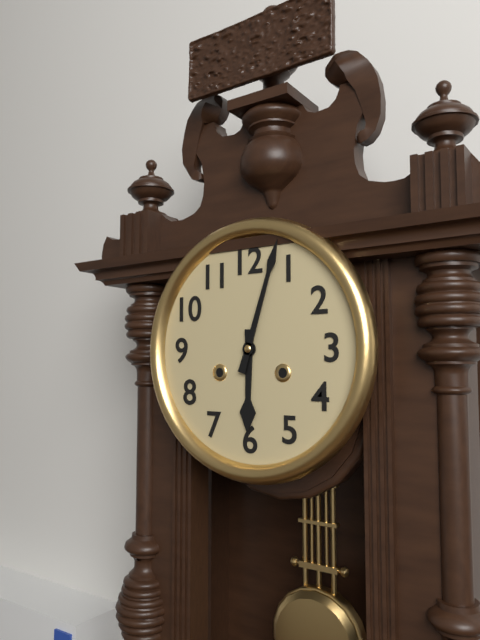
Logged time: **6:03**
